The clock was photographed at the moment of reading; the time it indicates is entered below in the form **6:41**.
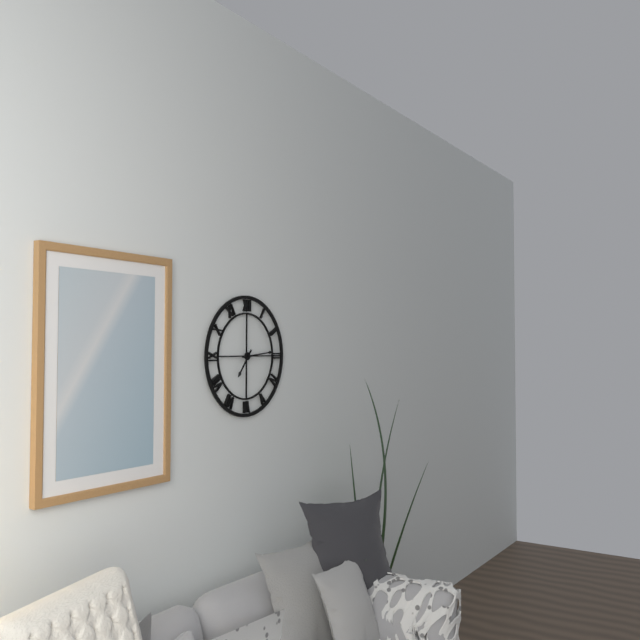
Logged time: **7:14**
